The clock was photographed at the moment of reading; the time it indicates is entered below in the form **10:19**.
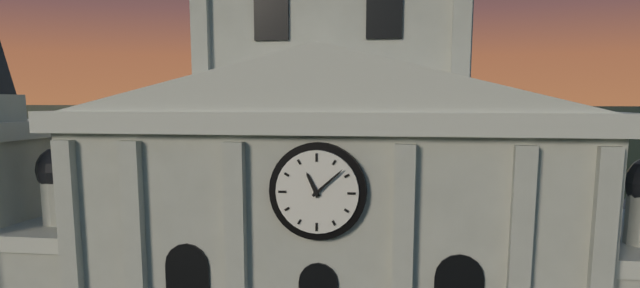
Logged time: **11:08**
